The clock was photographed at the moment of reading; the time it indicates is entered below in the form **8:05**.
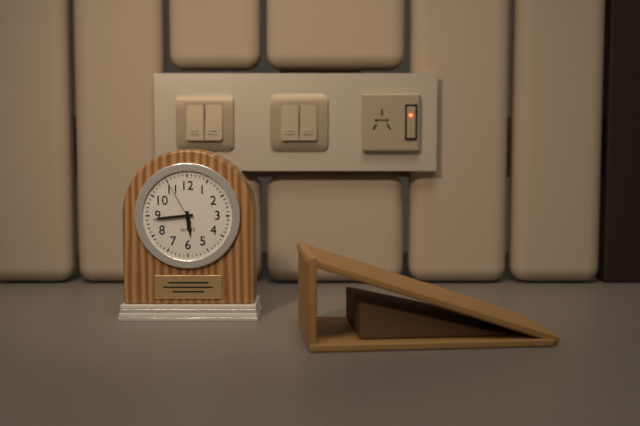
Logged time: **5:44**
